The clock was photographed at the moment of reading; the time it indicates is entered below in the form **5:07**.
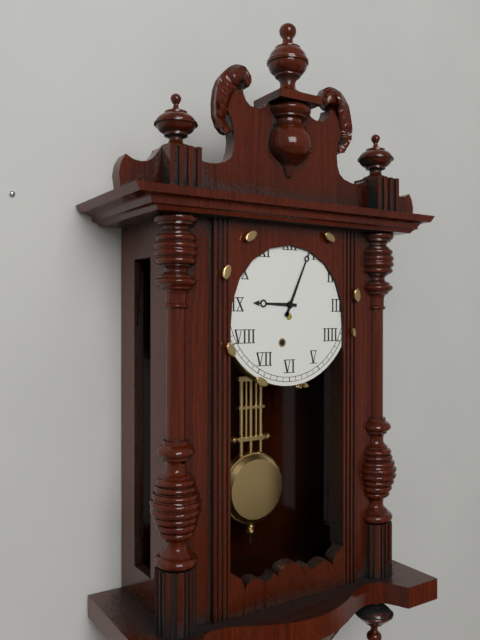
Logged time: **9:04**
